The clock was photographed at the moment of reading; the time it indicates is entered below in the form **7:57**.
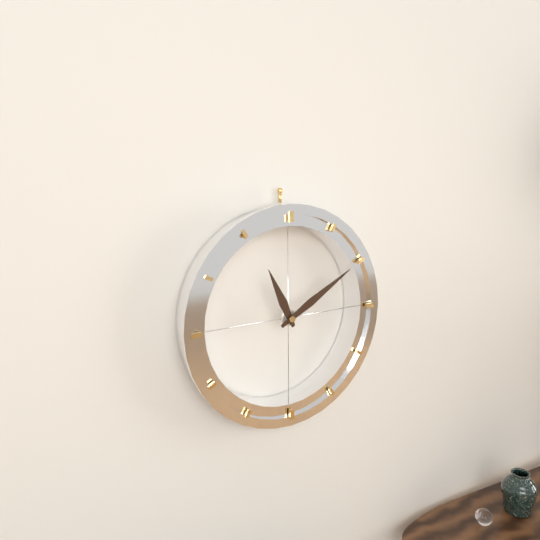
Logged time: **11:10**
